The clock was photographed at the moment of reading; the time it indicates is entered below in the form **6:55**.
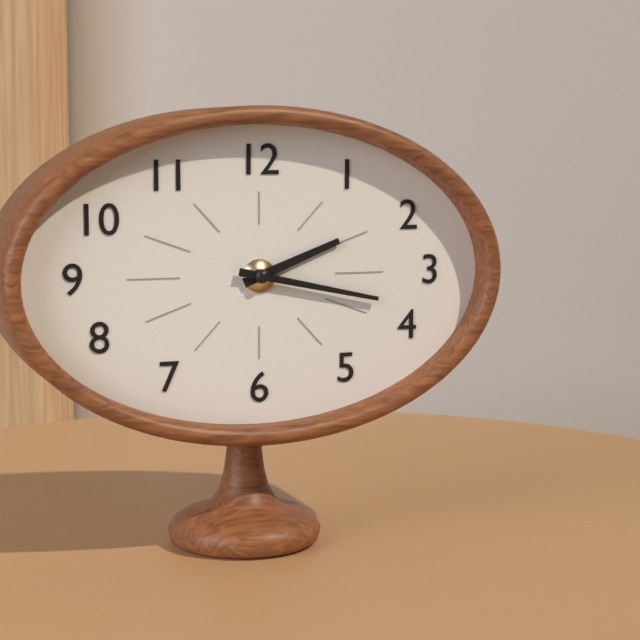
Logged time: **2:17**
